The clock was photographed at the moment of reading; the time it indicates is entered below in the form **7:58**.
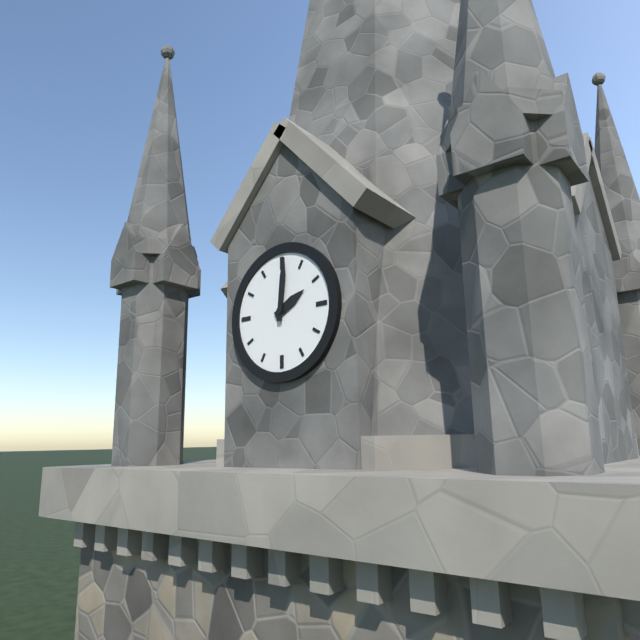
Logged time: **2:01**
